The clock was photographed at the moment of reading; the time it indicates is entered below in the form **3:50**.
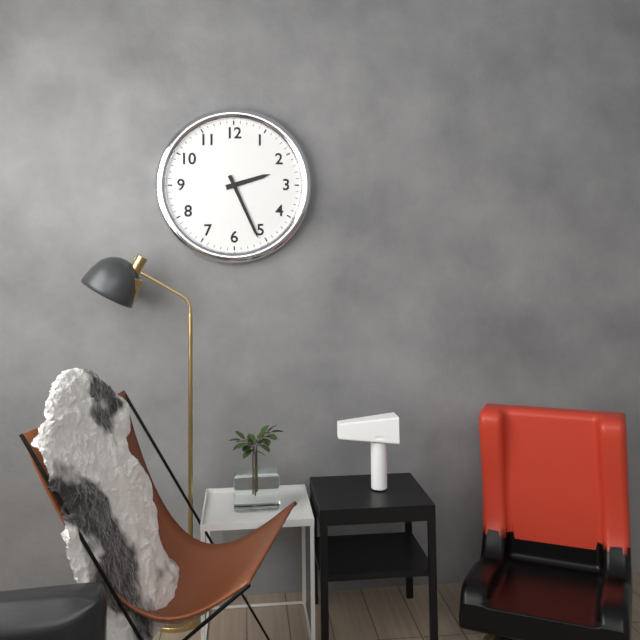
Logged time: **2:26**
